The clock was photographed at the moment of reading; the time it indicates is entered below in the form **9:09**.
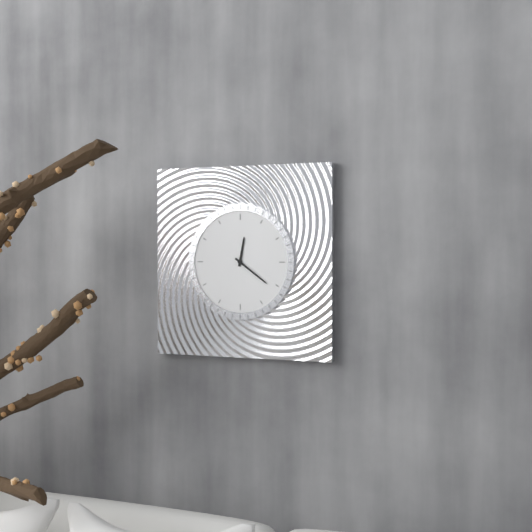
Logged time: **12:21**
